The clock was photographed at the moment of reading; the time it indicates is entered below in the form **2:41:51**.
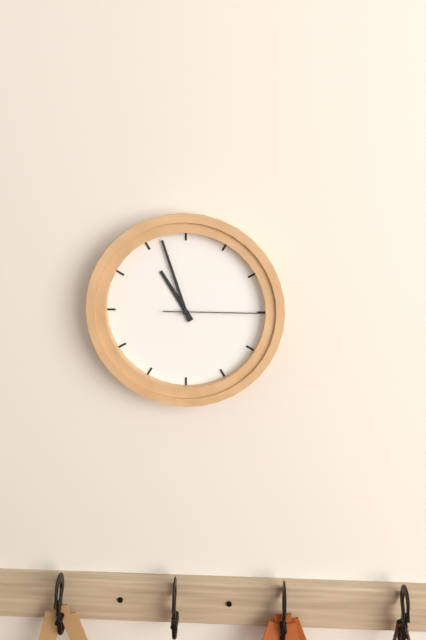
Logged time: **10:57:15**
